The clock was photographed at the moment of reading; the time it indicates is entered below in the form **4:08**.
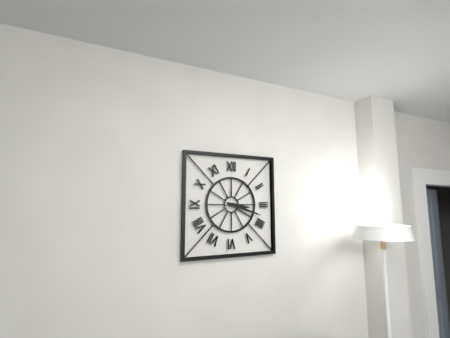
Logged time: **3:18**
